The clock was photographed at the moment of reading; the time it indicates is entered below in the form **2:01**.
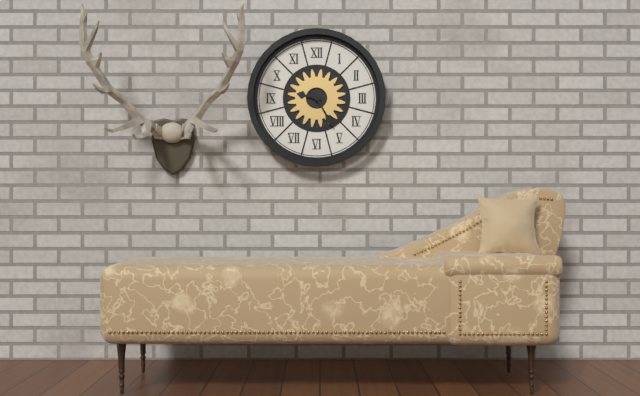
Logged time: **9:25**
